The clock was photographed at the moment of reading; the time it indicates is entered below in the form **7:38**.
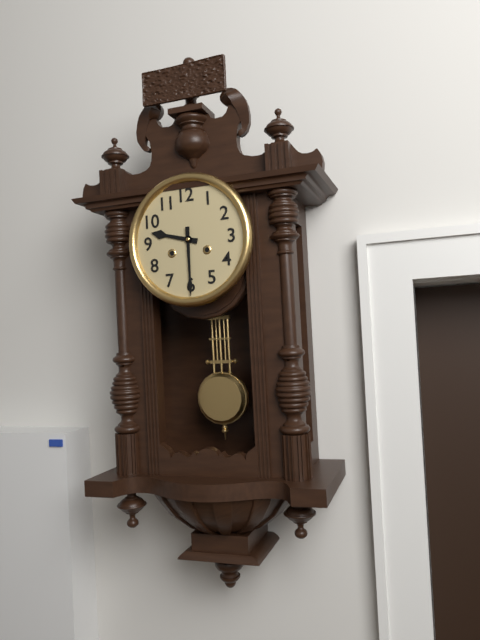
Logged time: **9:30**
